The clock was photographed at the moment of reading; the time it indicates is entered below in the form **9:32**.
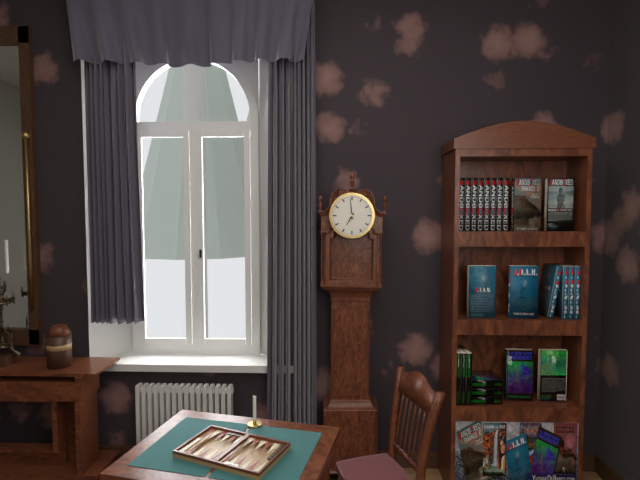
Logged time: **6:59**
